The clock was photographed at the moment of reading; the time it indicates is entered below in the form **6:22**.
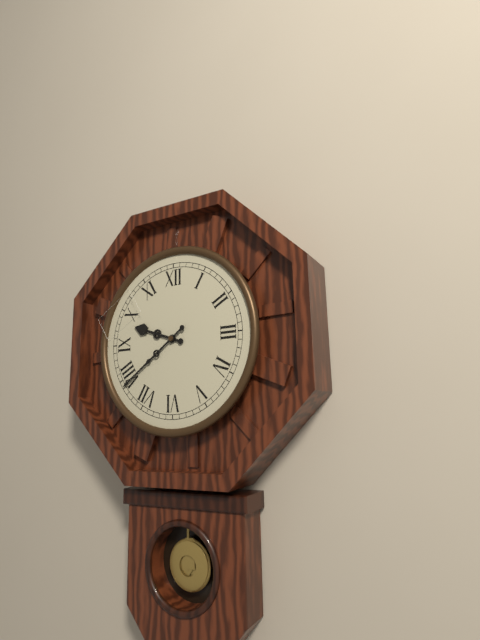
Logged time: **9:39**
